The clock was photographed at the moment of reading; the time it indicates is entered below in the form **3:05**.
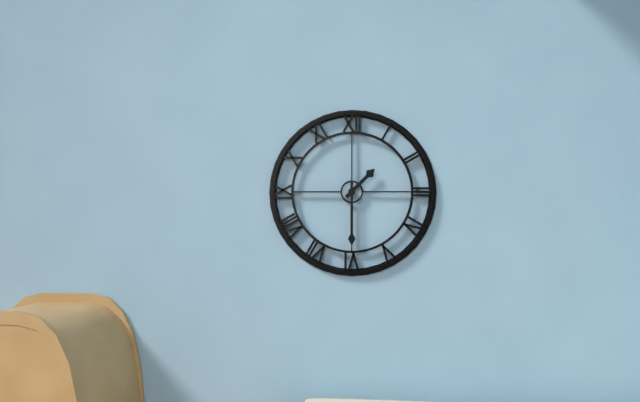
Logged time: **1:30**
